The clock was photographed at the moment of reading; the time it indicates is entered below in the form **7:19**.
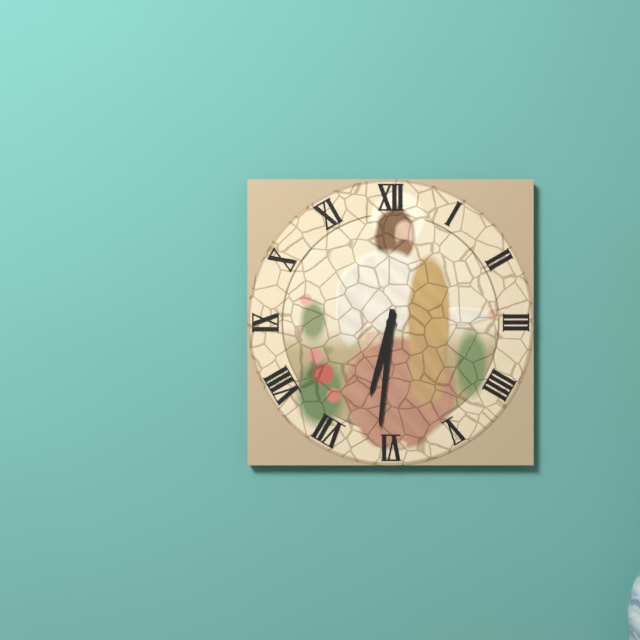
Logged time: **6:31**
